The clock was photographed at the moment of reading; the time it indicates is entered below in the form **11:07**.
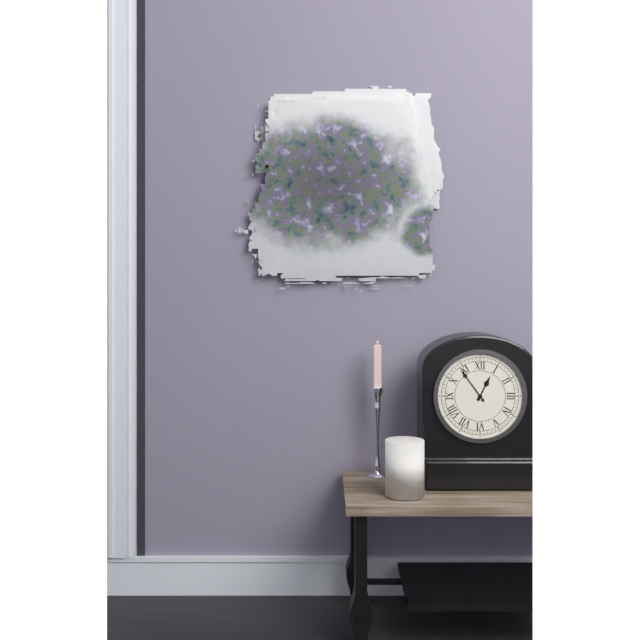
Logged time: **12:54**
